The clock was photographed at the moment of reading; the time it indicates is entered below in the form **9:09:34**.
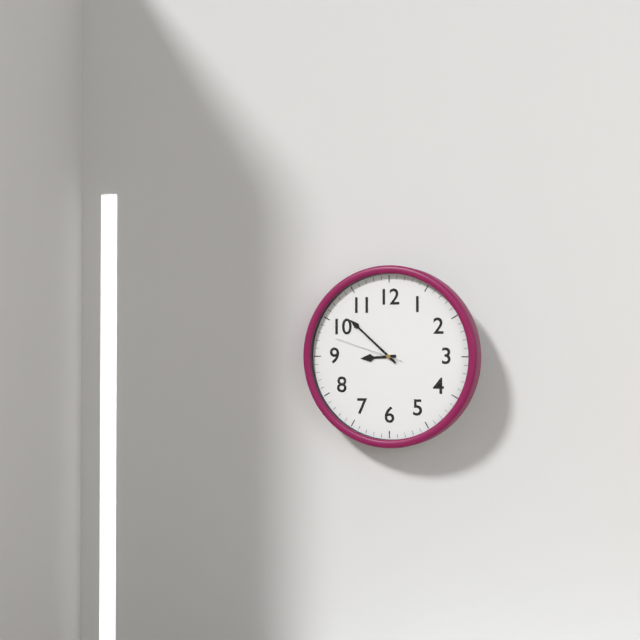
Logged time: **8:52:48**
